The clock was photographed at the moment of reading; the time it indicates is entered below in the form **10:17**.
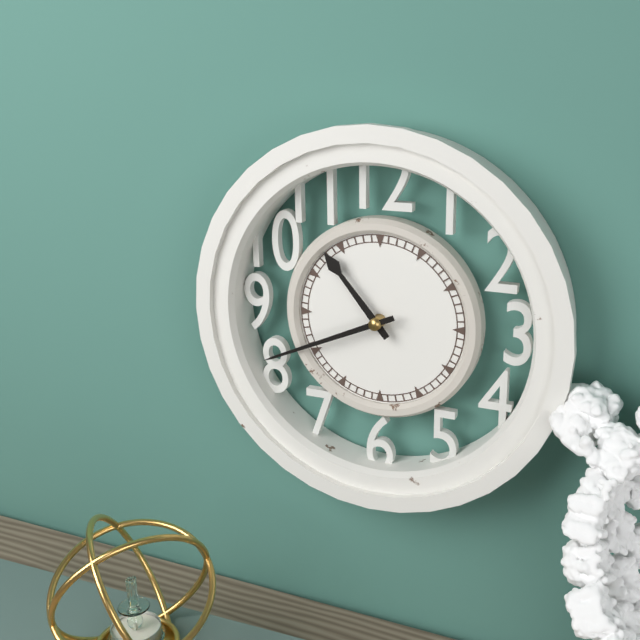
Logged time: **10:41**
